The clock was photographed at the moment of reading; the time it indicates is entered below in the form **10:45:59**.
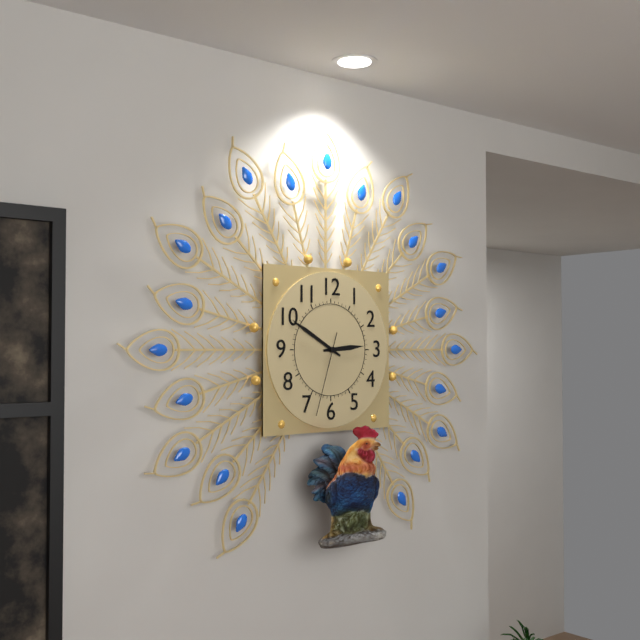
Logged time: **2:50:33**
